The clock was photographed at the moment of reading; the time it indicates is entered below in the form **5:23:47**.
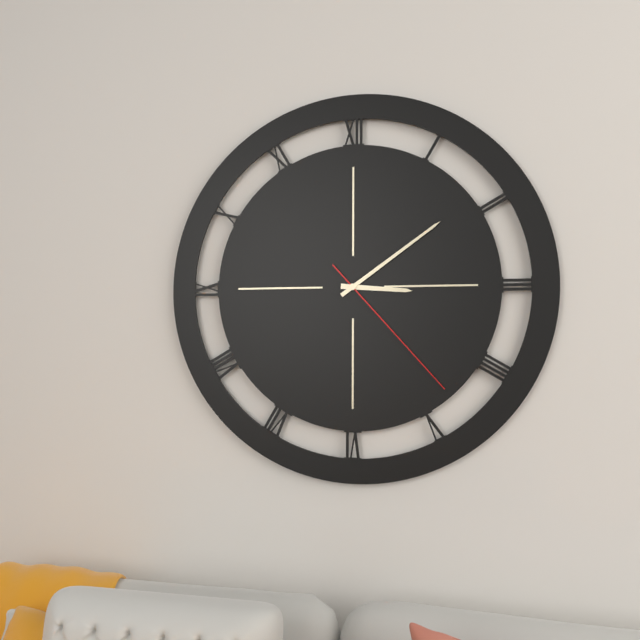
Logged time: **3:09:23**
